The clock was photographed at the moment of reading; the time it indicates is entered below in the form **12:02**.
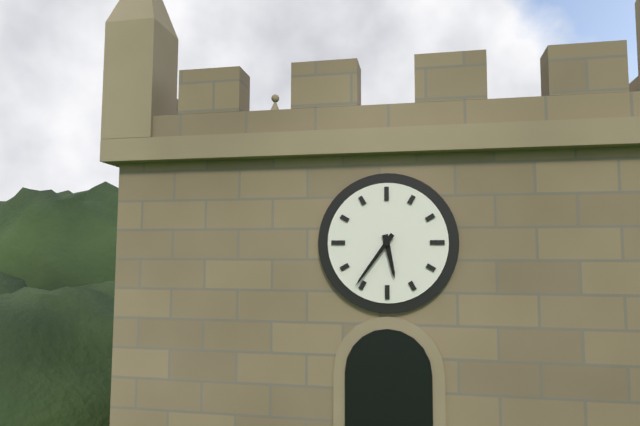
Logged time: **5:36**
